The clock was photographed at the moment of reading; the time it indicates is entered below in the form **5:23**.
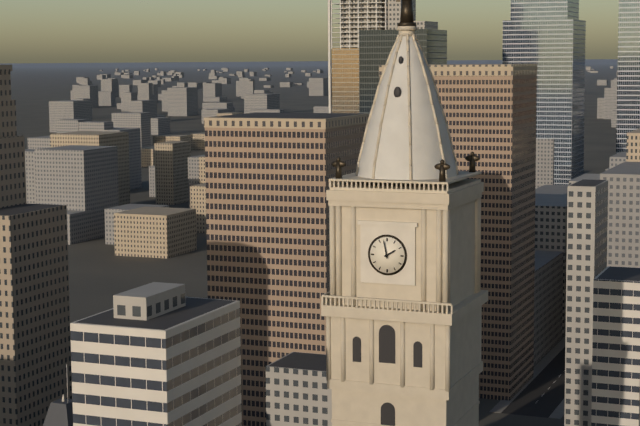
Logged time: **1:58**
